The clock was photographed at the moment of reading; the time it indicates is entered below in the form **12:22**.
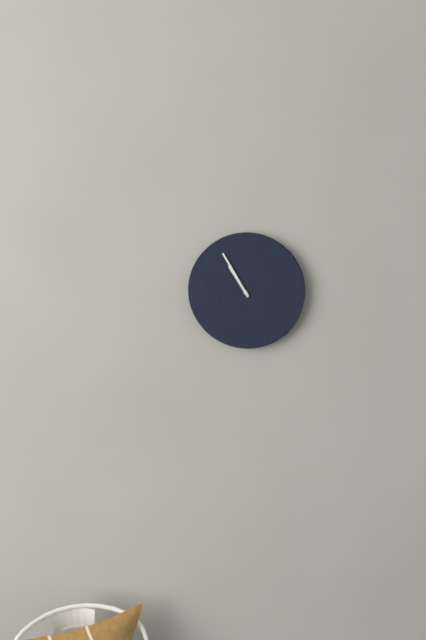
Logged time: **10:55**
